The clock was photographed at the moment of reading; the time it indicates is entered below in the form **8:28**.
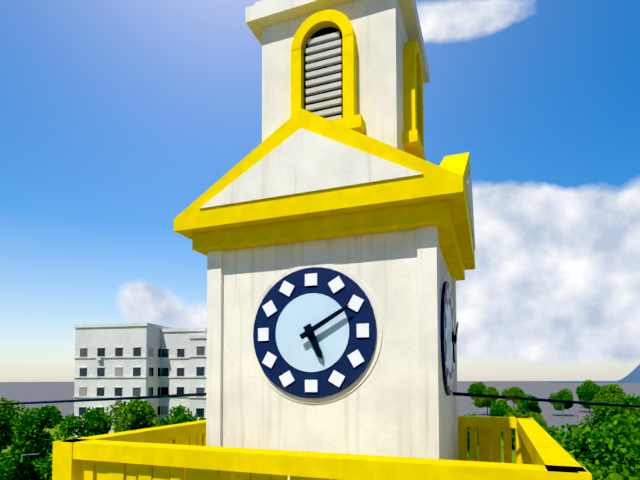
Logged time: **5:10**
